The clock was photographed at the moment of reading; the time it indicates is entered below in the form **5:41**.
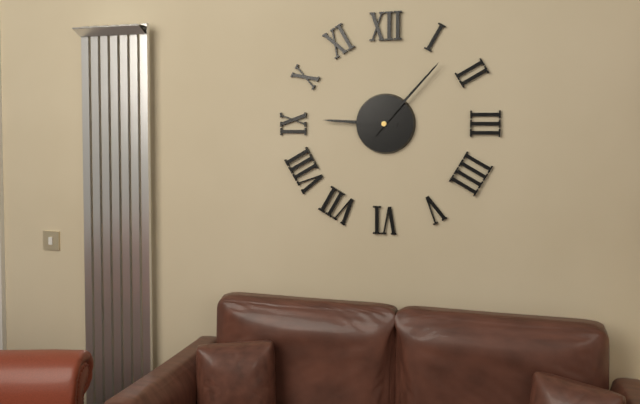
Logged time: **9:07**
